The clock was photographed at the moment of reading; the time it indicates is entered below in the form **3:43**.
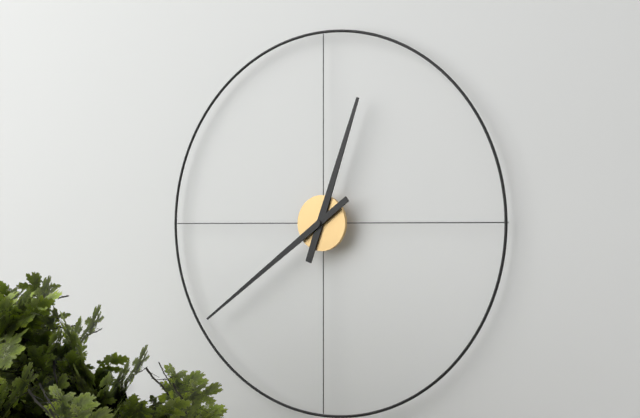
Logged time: **12:39**
